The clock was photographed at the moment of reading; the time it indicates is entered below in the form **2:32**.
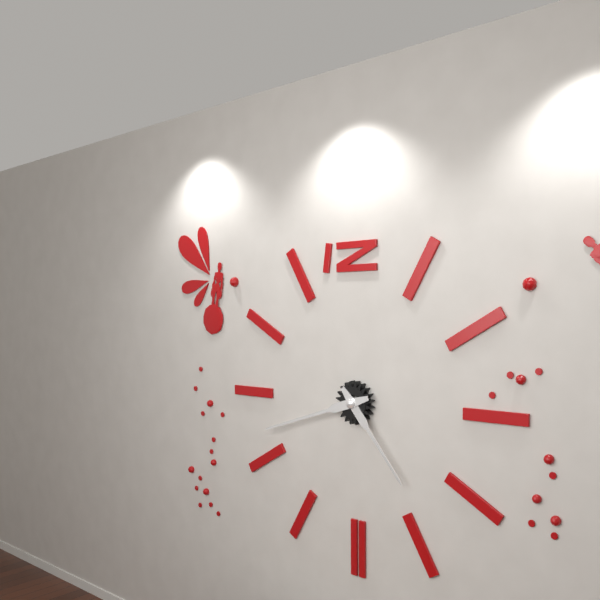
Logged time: **4:42**
